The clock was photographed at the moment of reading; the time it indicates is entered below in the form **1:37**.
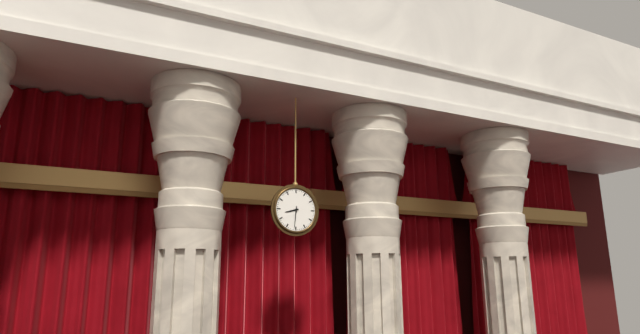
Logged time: **8:31**
